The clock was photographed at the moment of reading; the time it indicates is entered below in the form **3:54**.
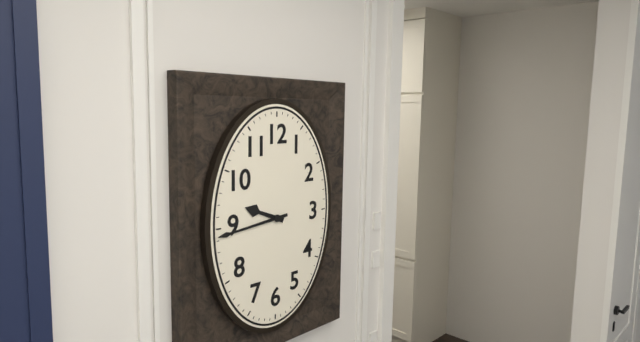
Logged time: **9:44**
